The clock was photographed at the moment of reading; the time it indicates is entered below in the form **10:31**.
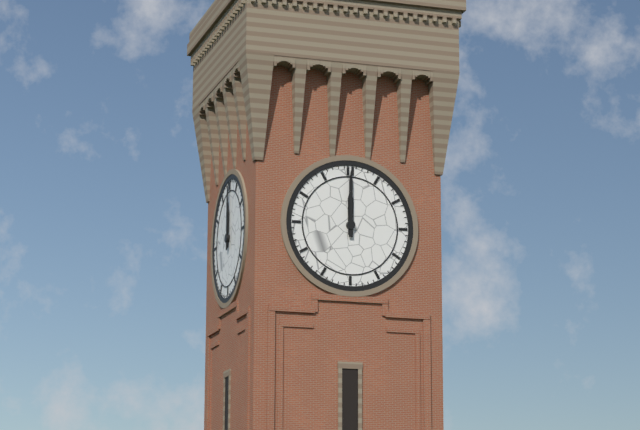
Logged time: **12:00**
